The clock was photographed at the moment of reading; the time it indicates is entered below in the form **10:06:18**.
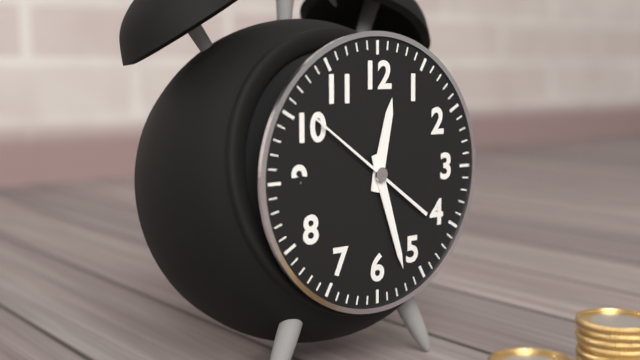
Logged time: **12:27:51**
